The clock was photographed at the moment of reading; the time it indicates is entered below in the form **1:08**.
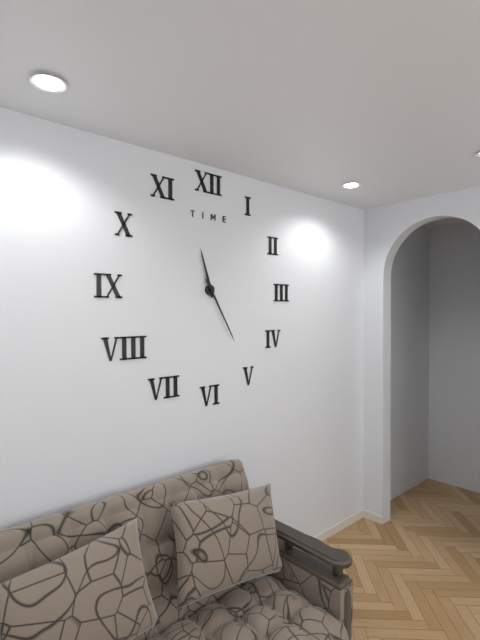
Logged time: **11:25**
